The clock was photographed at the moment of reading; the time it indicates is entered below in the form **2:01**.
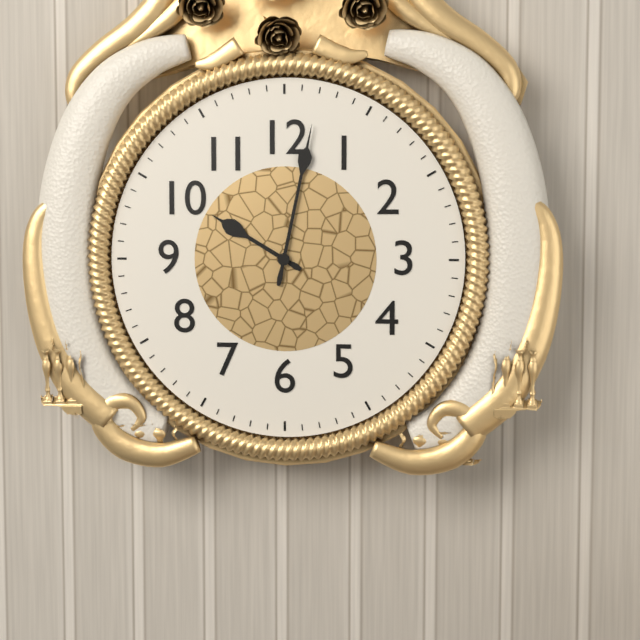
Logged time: **10:02**
